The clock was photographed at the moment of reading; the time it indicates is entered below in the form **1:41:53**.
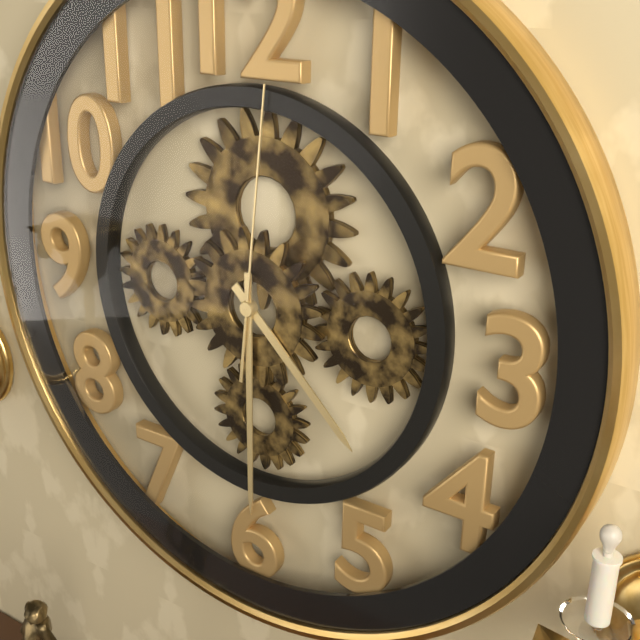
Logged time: **4:30:01**
